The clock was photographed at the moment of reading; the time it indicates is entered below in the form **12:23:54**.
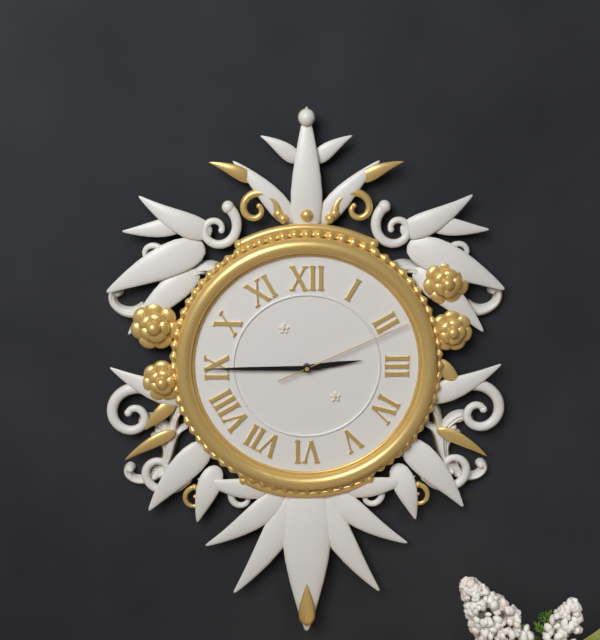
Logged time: **2:45:11**
